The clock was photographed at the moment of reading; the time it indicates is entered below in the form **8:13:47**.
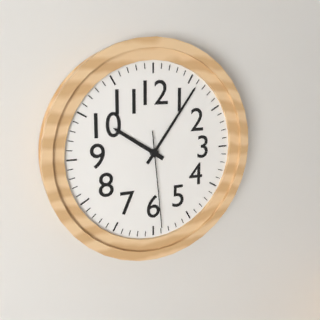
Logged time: **10:06:29**
